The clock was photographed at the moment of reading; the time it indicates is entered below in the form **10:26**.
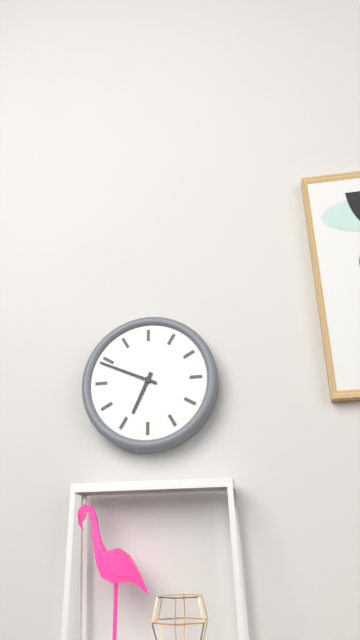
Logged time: **6:49**
